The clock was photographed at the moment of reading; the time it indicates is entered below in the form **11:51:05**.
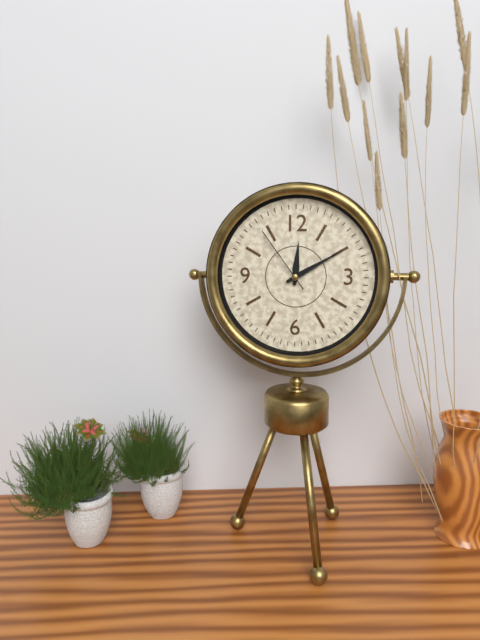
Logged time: **12:10:54**
